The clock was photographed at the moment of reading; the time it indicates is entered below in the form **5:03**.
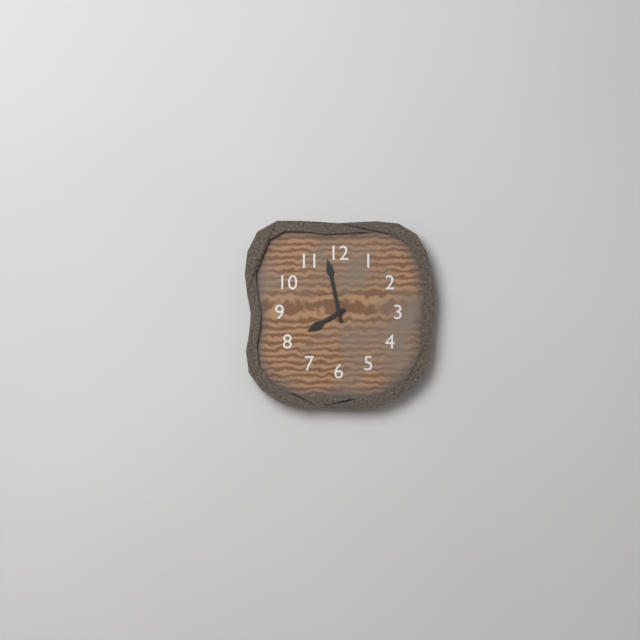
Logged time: **7:58**
